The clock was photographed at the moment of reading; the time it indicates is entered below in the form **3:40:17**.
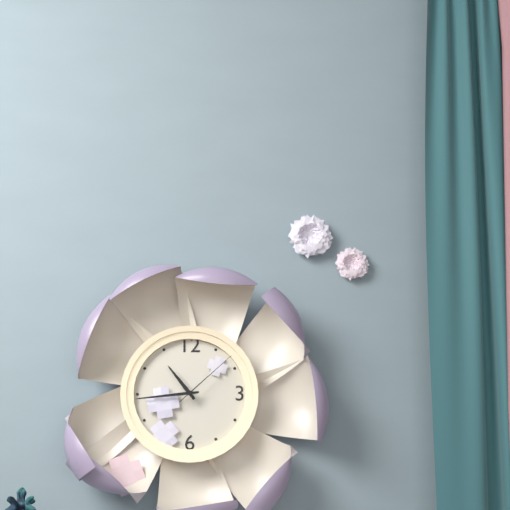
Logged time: **10:44:08**
